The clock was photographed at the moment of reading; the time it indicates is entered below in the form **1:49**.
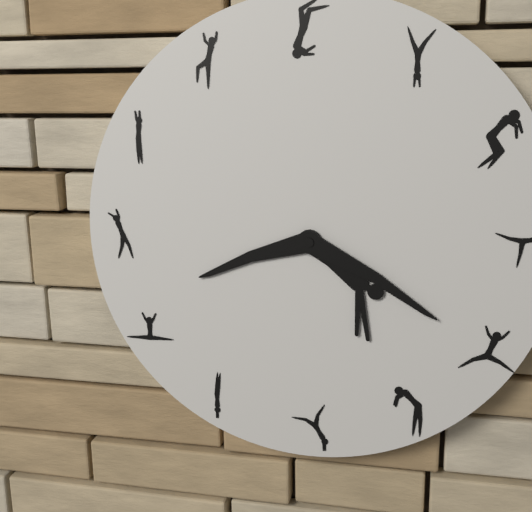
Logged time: **8:20**
